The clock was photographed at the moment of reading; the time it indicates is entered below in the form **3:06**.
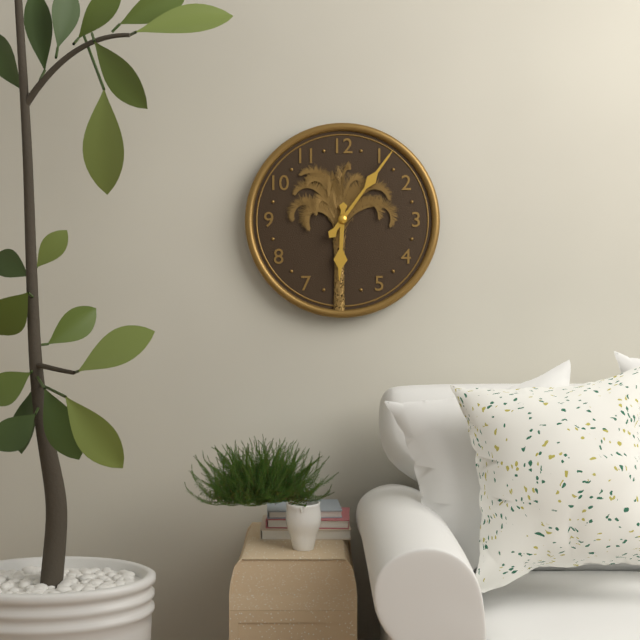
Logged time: **6:06**
